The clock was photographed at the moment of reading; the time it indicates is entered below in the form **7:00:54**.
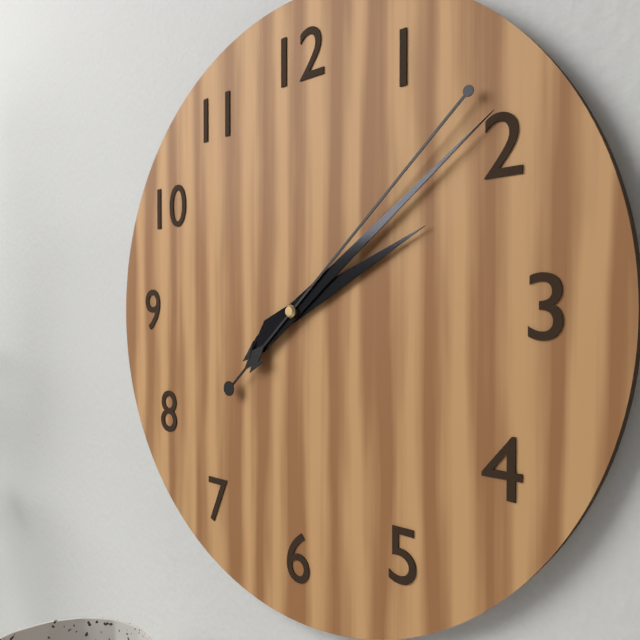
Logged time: **2:09:08**
